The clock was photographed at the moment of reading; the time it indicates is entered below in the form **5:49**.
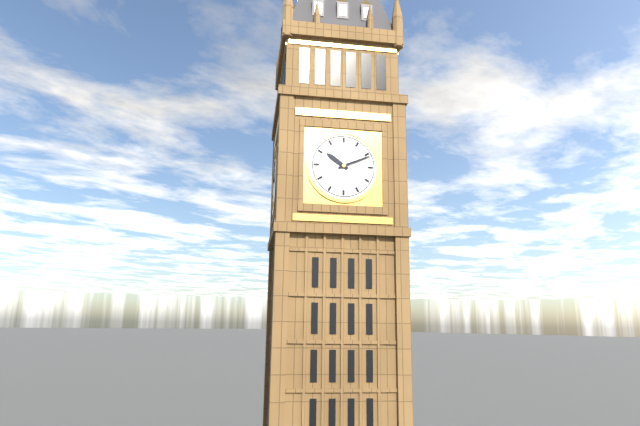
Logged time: **10:11**
